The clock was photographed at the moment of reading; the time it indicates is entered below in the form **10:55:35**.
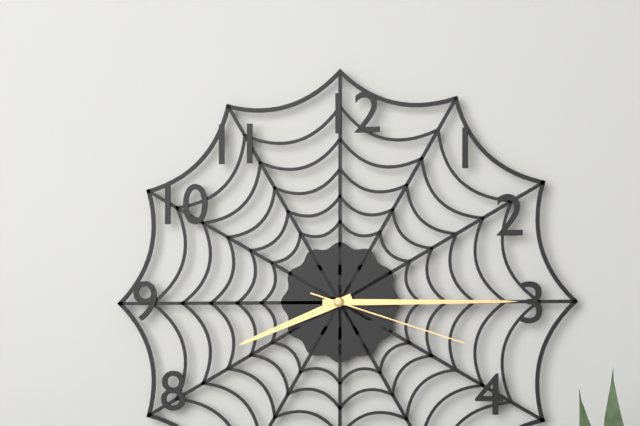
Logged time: **8:15:18**
